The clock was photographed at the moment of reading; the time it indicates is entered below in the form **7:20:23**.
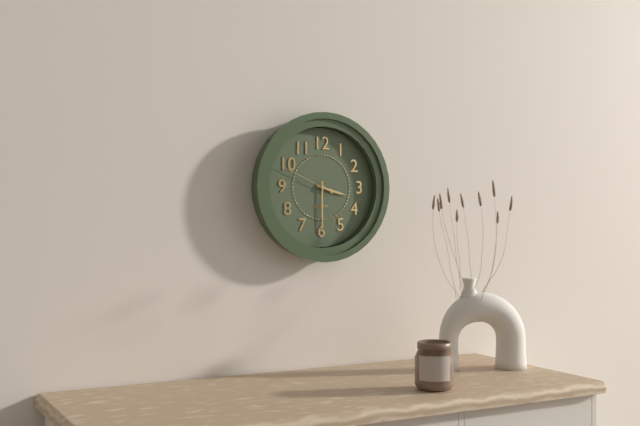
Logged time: **3:30:49**
